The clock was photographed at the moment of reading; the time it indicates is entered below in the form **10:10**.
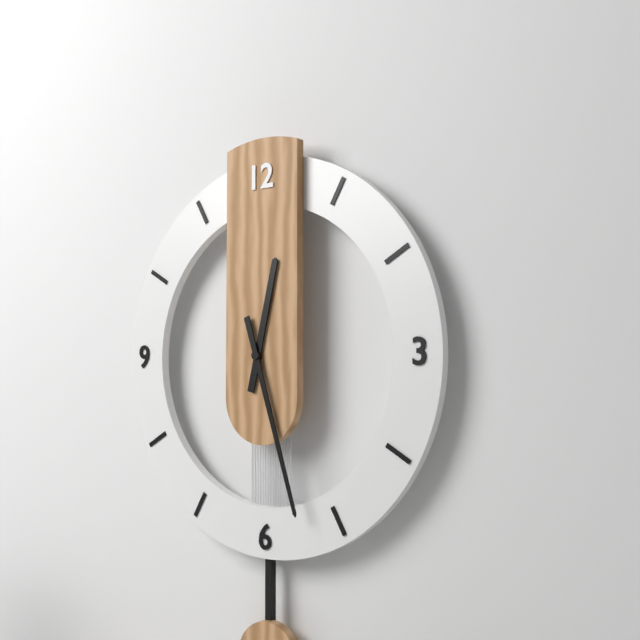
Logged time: **12:27**
